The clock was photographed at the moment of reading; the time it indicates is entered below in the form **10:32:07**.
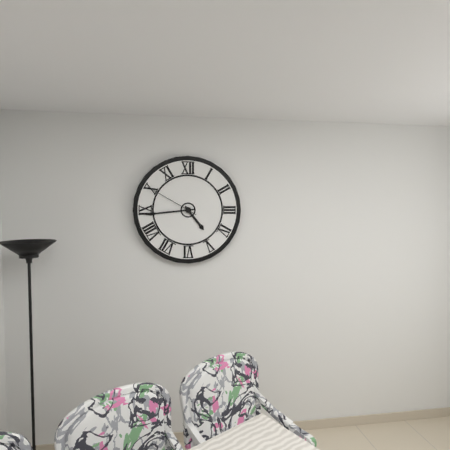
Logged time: **4:44:50**
